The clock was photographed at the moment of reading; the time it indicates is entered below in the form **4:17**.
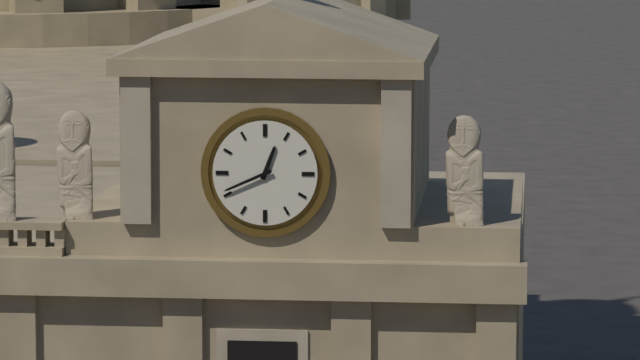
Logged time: **12:41**
